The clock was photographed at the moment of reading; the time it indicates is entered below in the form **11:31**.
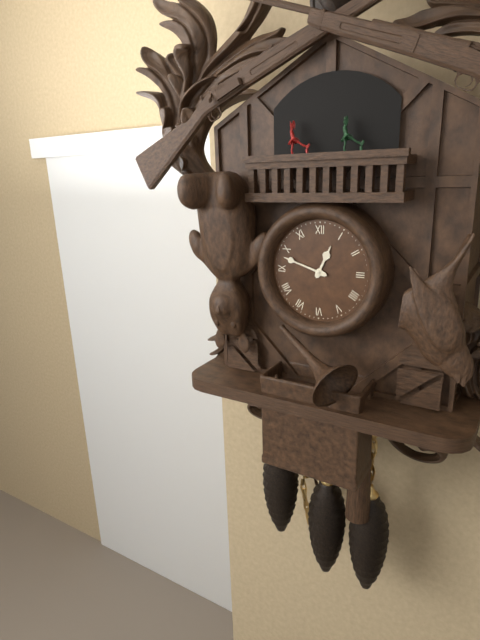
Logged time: **12:48**
